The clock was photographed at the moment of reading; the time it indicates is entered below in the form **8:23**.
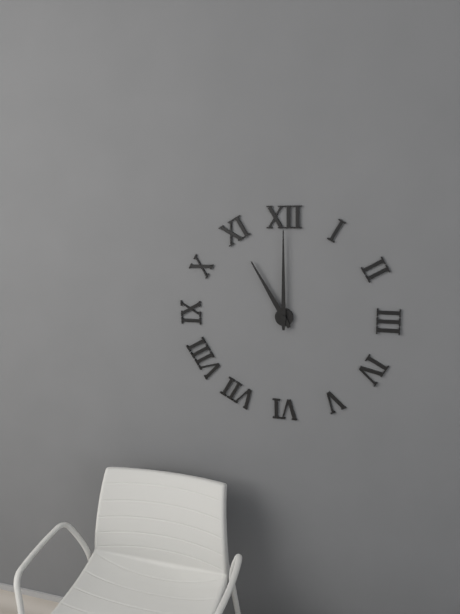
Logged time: **11:00**
